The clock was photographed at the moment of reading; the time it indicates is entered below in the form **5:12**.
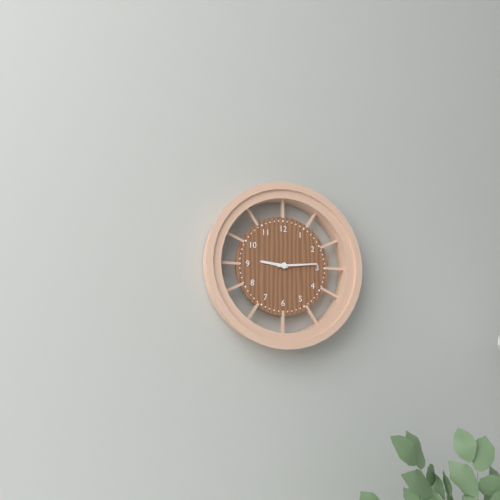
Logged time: **9:14**
